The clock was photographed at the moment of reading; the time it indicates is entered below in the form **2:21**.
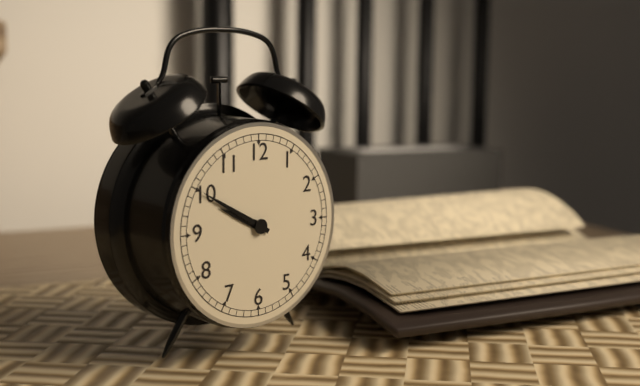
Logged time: **9:50**
